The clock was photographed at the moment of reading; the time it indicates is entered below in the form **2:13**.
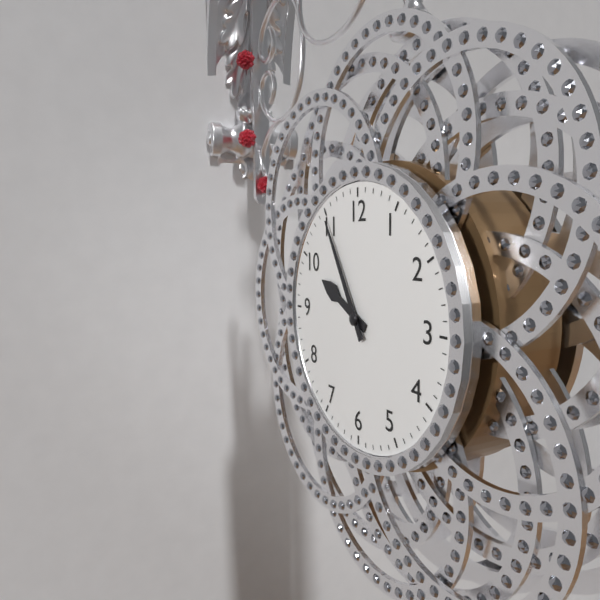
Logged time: **9:55**
